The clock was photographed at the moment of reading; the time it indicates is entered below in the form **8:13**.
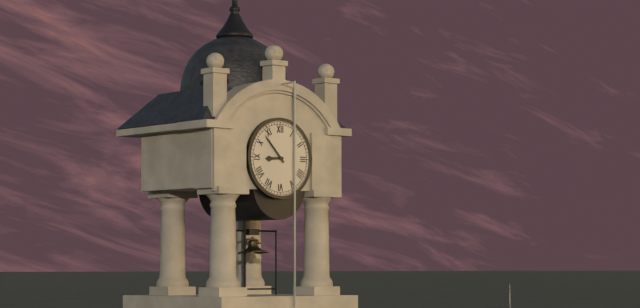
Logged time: **8:53**
